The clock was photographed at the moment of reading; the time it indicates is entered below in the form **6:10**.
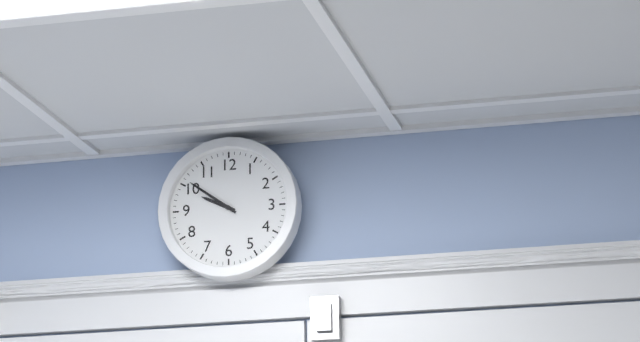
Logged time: **9:51**
